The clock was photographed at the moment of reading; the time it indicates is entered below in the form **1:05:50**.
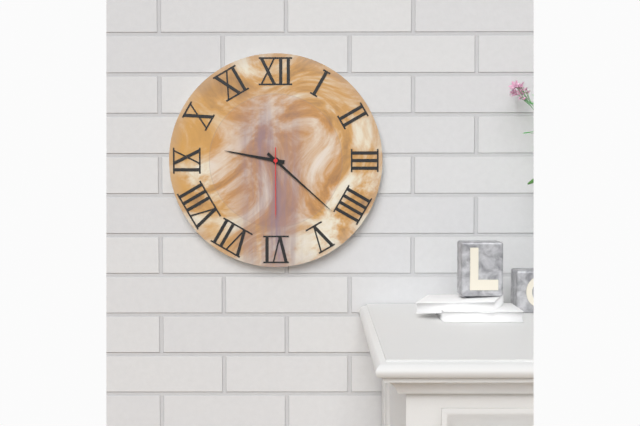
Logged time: **9:22:30**
